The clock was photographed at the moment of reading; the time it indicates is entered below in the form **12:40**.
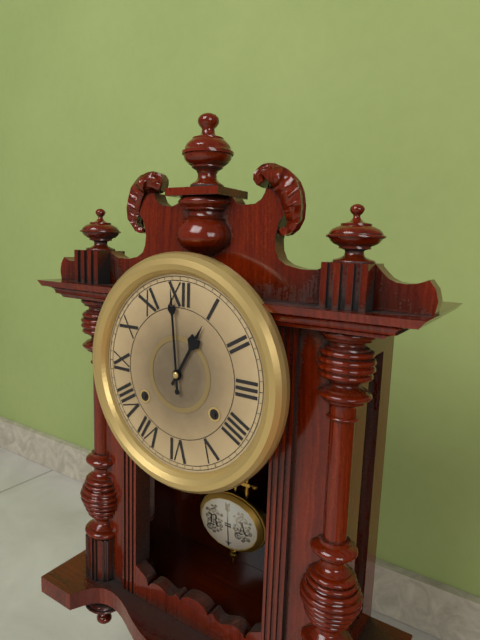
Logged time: **12:59**
